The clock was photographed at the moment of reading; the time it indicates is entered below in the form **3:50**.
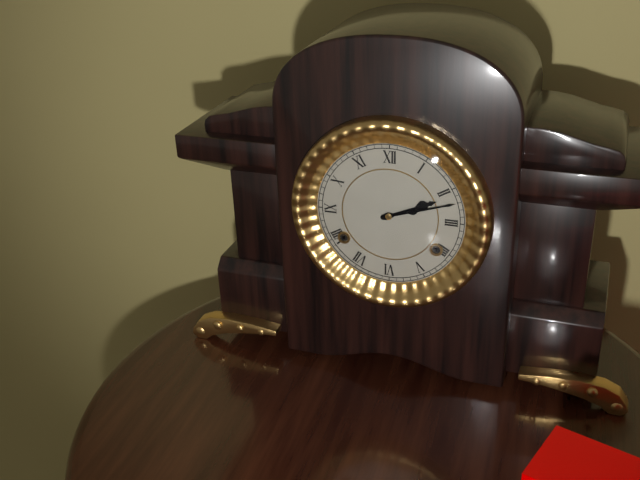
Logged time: **2:12**
